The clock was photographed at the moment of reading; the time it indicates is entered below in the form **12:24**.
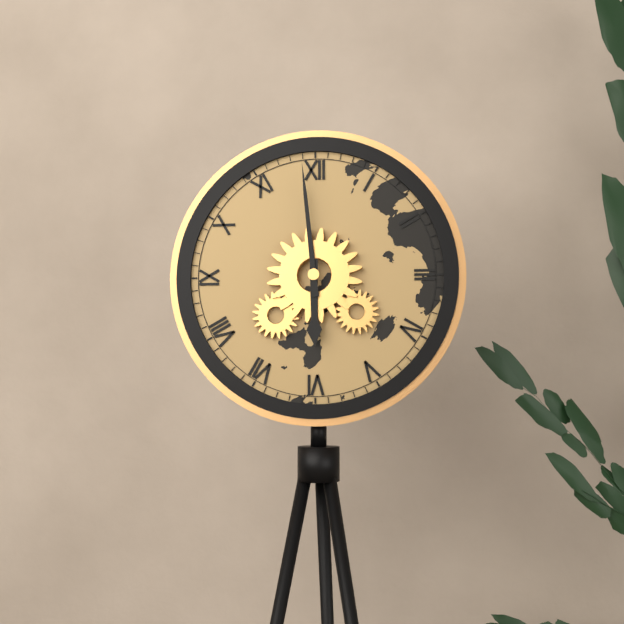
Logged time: **5:59**
